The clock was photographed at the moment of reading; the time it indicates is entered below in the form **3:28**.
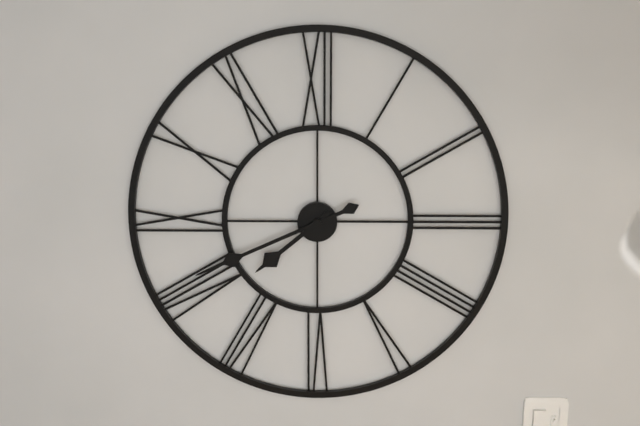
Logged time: **7:41**
